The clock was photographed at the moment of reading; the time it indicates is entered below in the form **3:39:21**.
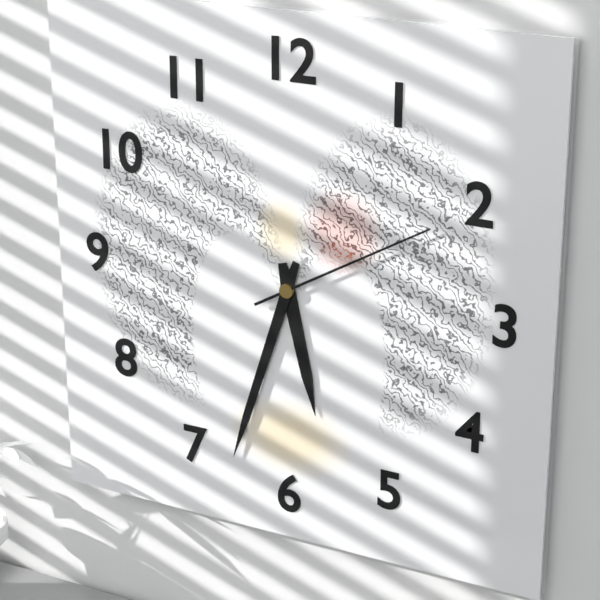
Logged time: **5:33:10**
